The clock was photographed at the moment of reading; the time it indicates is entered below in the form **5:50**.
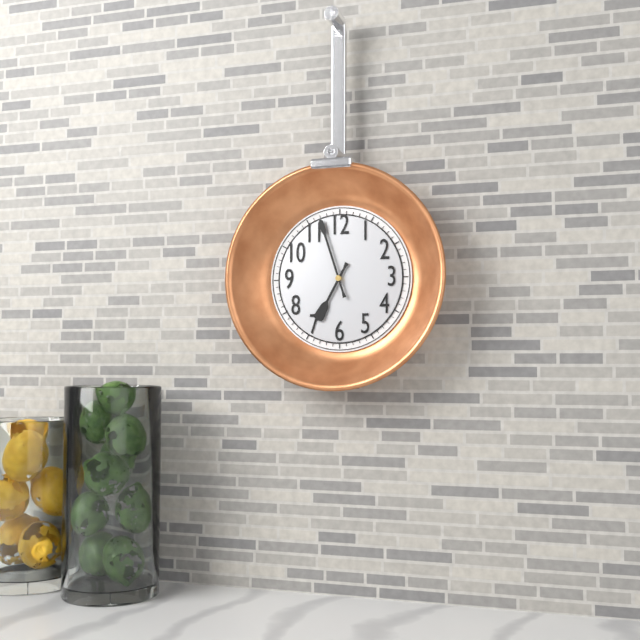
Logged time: **6:57**
